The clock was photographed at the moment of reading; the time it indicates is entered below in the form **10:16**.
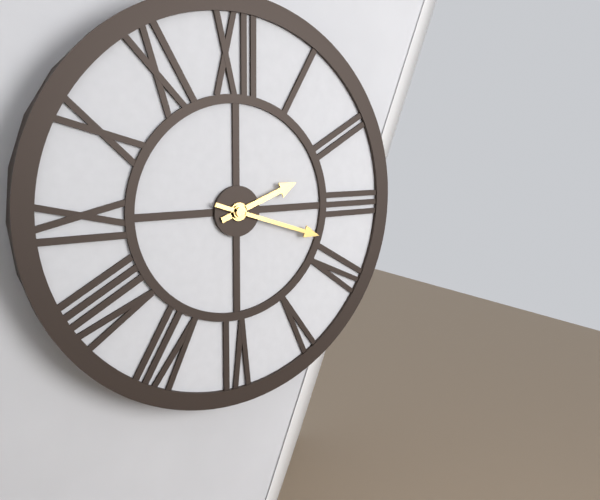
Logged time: **2:18**
